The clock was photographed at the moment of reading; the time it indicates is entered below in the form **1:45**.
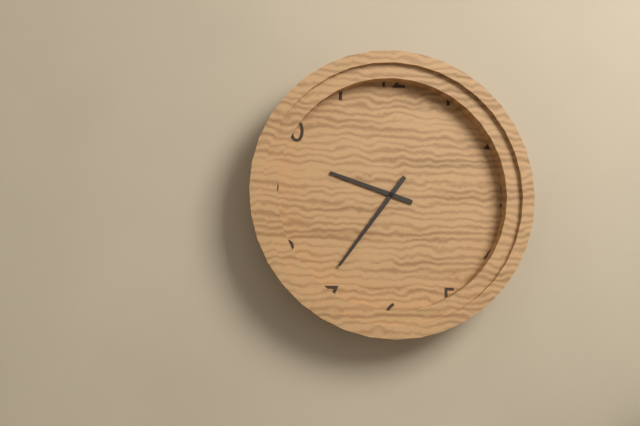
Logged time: **9:36**
